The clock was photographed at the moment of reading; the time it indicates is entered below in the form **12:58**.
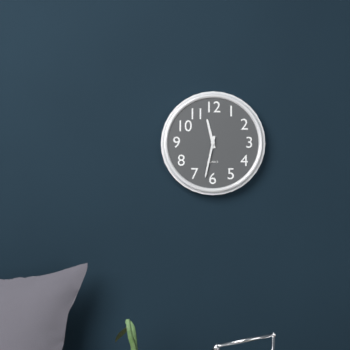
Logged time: **11:32**
